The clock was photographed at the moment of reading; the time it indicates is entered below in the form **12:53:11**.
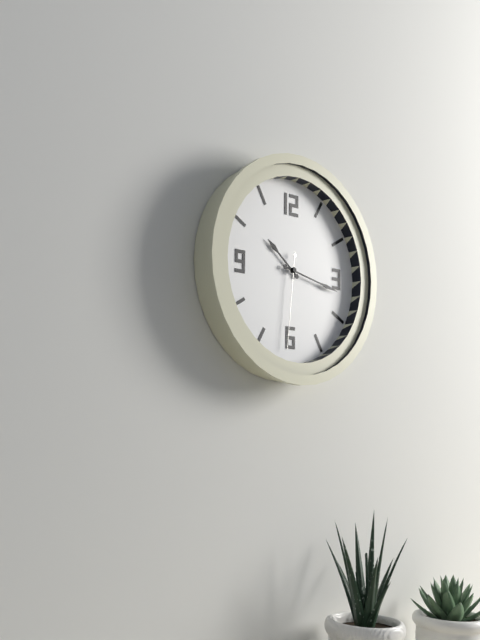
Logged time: **10:17:31**
